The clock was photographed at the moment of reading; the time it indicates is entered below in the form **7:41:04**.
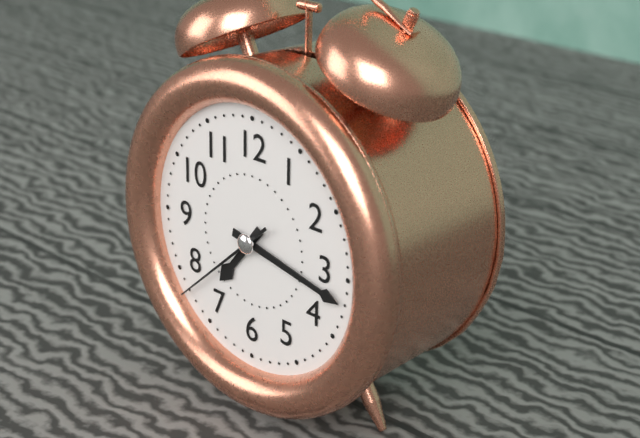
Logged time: **7:17:38**
